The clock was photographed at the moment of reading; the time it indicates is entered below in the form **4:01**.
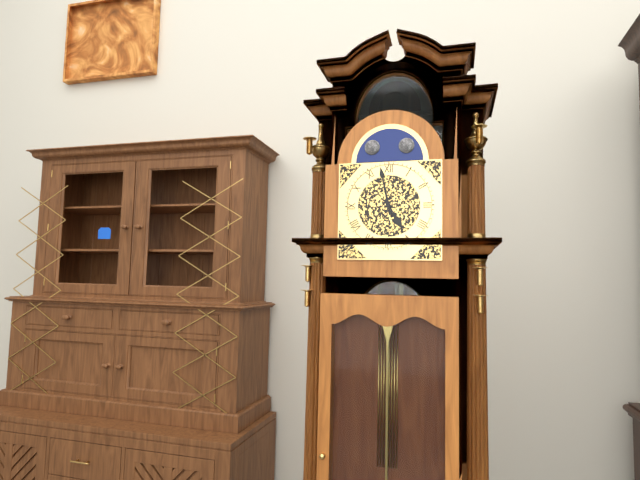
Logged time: **4:58**
